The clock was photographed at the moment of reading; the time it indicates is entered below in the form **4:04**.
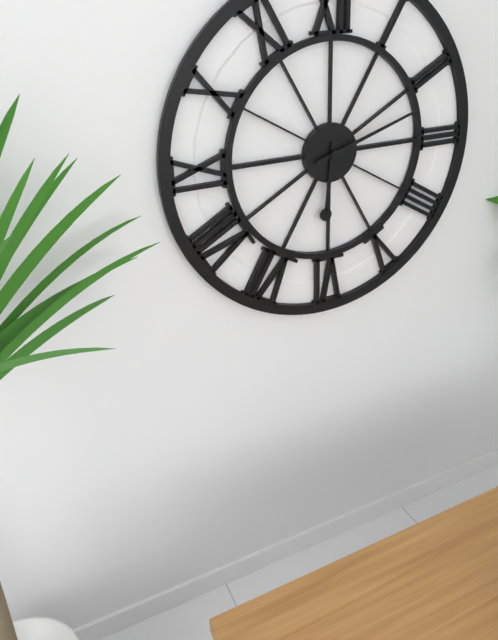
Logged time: **6:12**
